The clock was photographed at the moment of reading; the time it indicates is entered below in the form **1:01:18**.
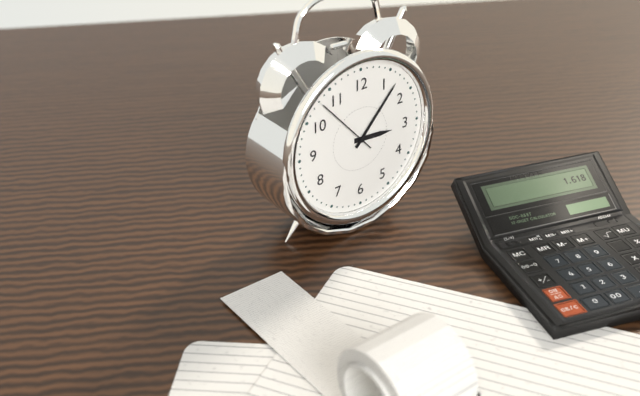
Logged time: **3:07:53**
